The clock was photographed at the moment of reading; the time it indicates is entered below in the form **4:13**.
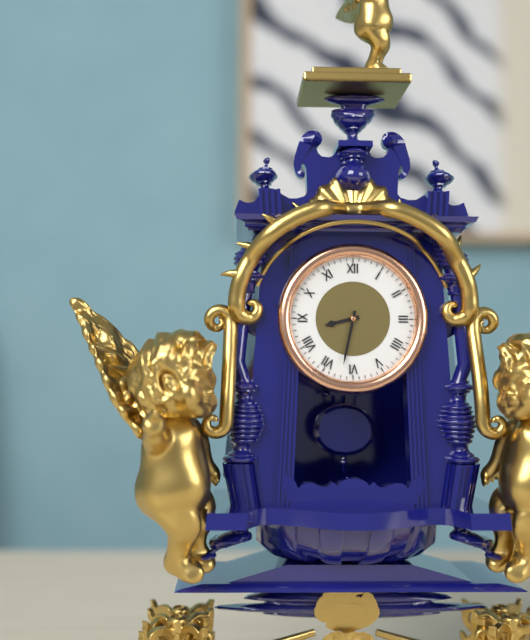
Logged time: **8:32**
